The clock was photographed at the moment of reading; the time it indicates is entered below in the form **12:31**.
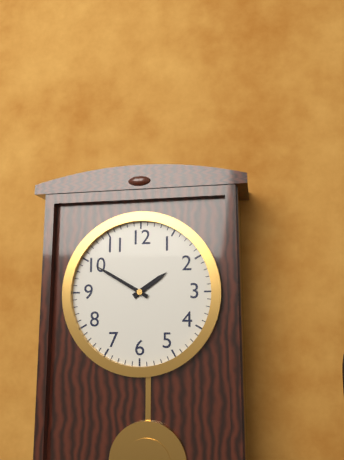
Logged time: **1:50**
